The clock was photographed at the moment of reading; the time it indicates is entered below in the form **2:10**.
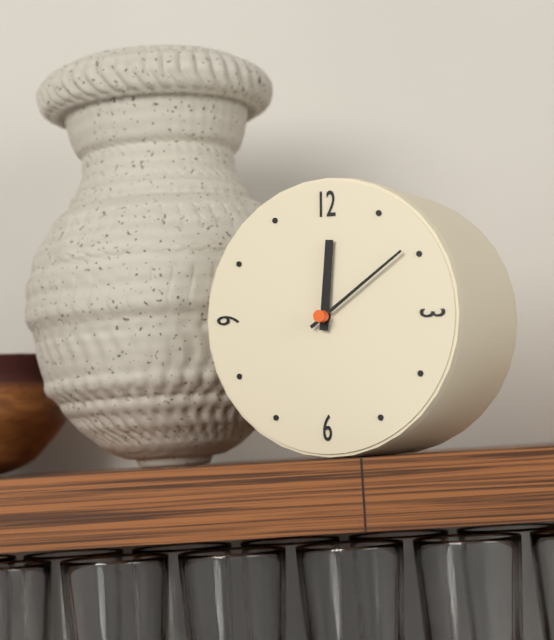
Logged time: **12:09**
